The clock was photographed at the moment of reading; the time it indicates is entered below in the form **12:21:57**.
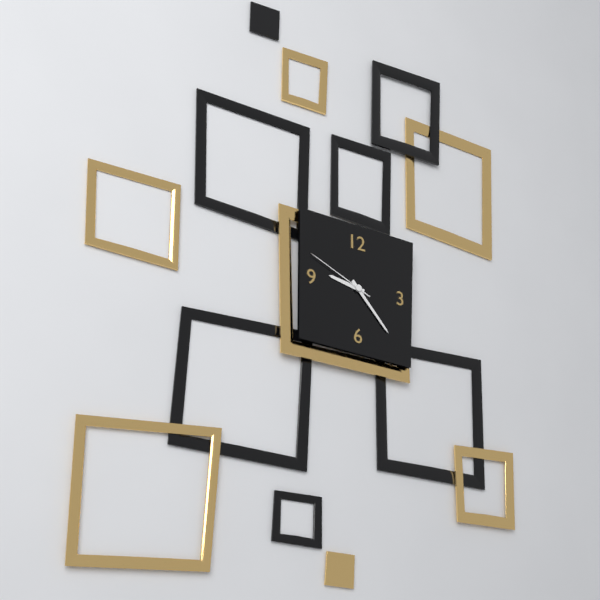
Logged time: **9:23:49**
